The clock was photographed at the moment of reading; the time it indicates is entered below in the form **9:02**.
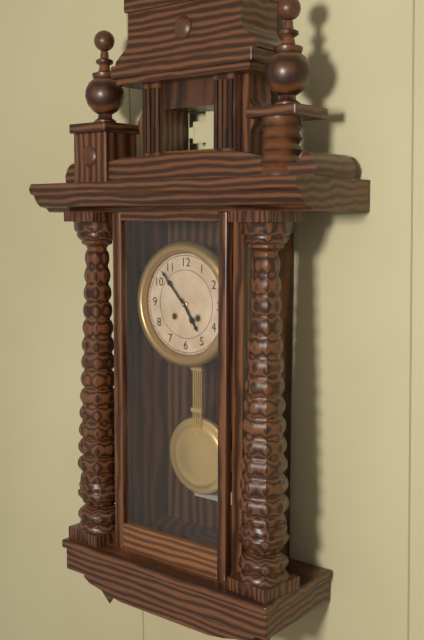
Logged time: **4:53**
